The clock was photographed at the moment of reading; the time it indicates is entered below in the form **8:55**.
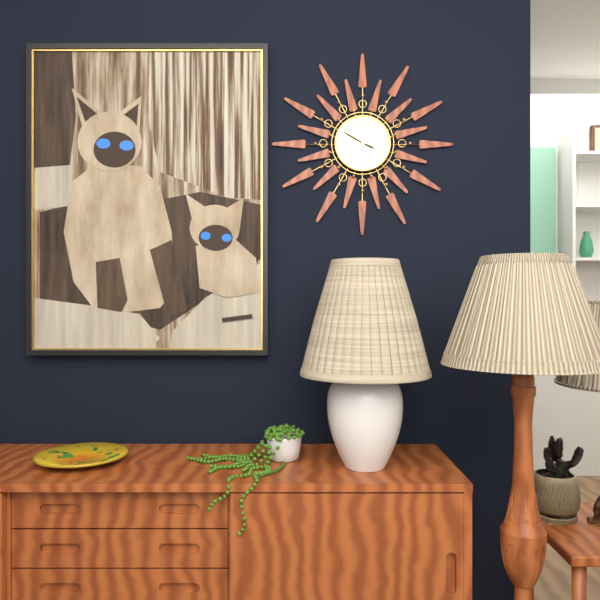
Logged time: **3:50**
